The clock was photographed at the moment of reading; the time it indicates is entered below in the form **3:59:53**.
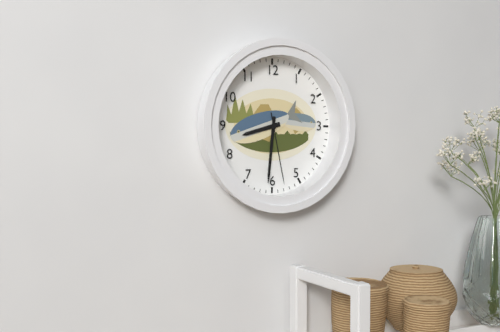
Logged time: **8:31:28**
